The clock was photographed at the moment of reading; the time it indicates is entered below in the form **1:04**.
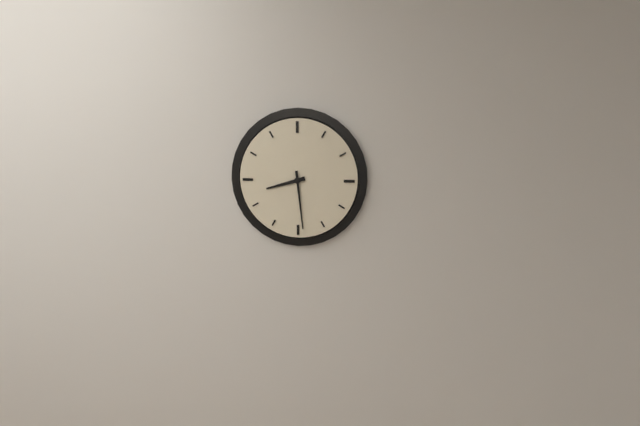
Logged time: **8:29**
